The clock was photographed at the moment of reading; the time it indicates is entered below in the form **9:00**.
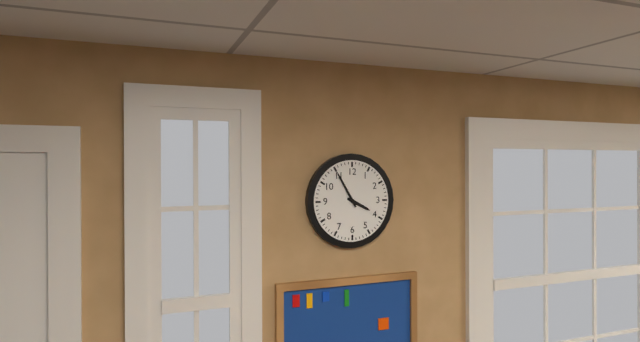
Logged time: **3:55**
